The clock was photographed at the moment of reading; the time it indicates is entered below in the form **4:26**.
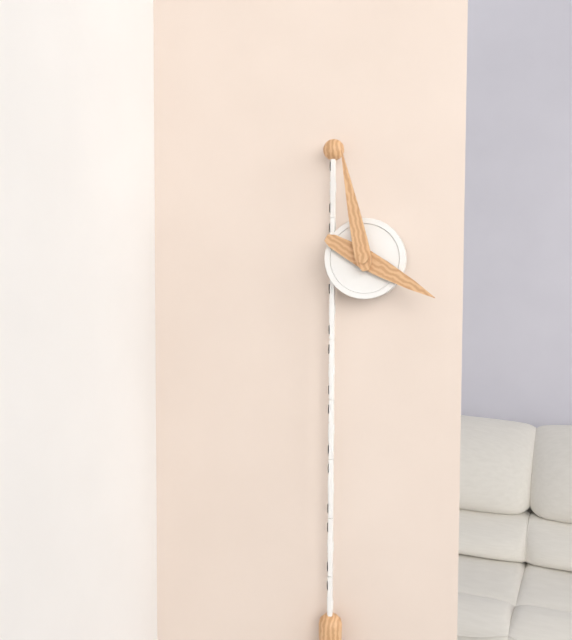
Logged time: **3:58**
